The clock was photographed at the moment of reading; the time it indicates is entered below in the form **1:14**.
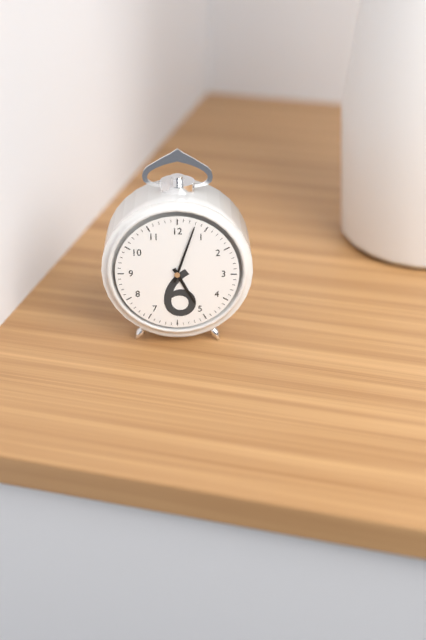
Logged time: **5:03**
